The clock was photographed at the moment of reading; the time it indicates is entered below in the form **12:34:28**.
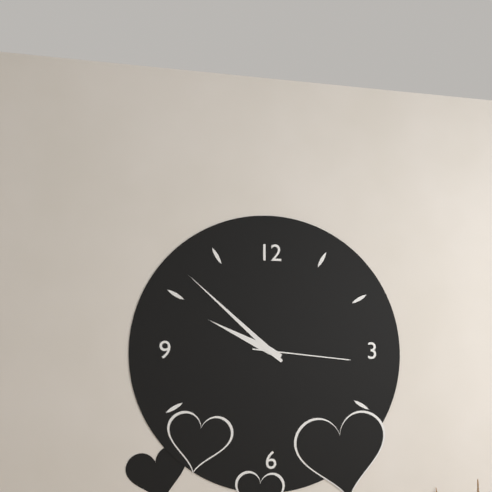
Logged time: **9:52:16**
